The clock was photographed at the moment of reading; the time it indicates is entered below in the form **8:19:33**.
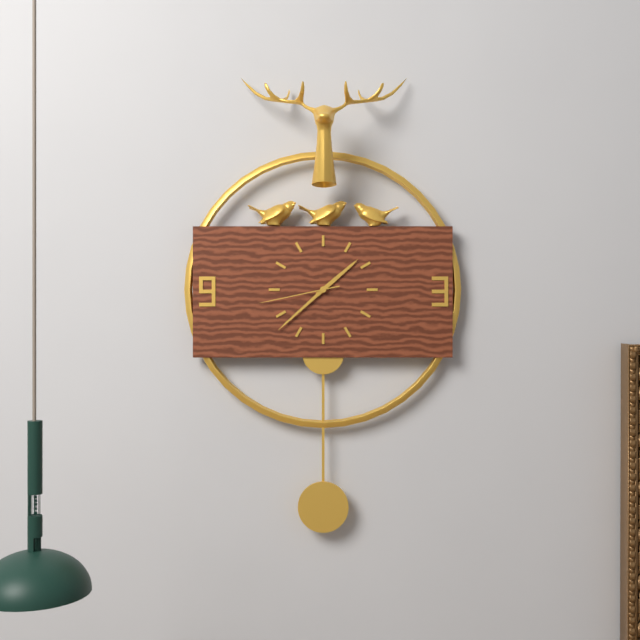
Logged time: **1:38:43**
